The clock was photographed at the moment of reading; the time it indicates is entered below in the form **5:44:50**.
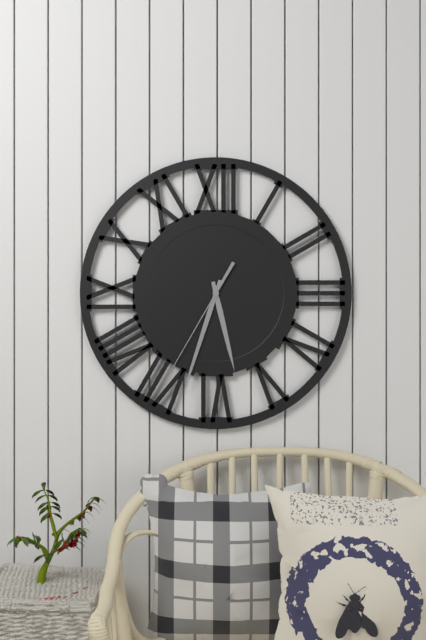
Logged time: **5:33:35**
